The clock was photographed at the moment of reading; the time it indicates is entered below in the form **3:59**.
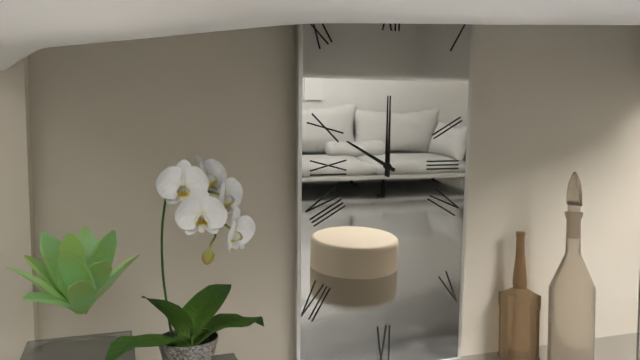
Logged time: **10:00**
